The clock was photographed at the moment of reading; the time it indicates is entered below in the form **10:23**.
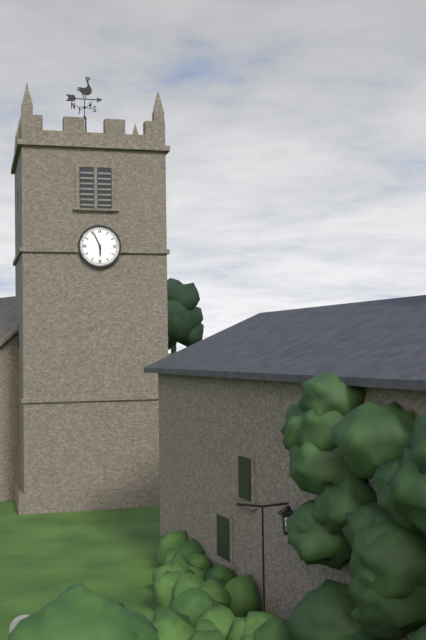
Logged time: **5:56**
